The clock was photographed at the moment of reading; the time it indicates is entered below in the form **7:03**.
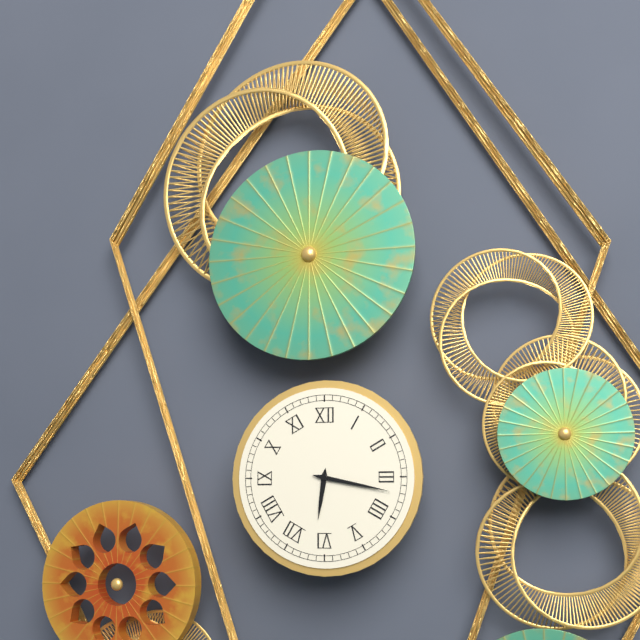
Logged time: **6:17**
